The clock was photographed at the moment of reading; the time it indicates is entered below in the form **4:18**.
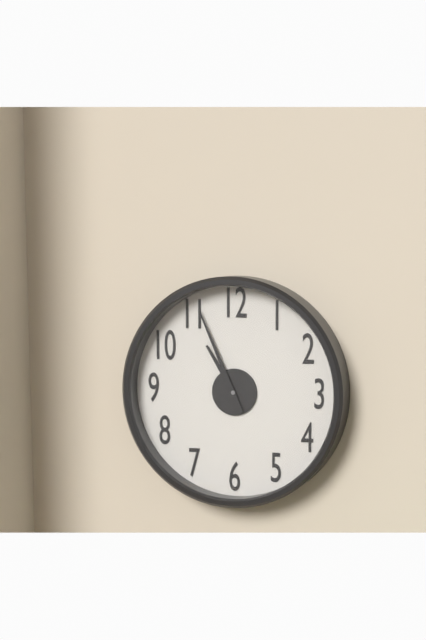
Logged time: **10:56**
